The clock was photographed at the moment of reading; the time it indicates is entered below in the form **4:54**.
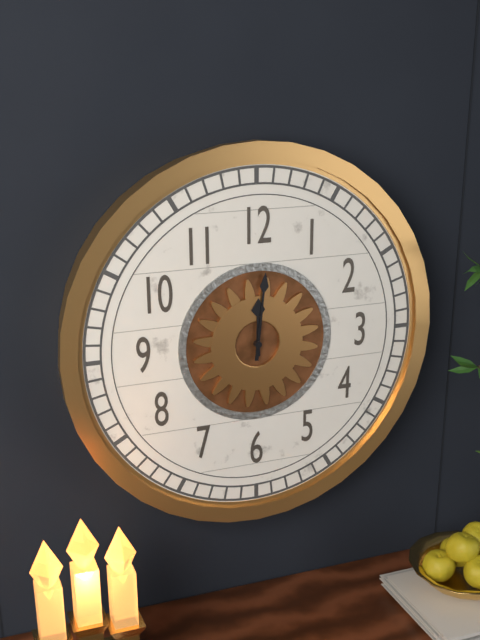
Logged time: **12:01**
